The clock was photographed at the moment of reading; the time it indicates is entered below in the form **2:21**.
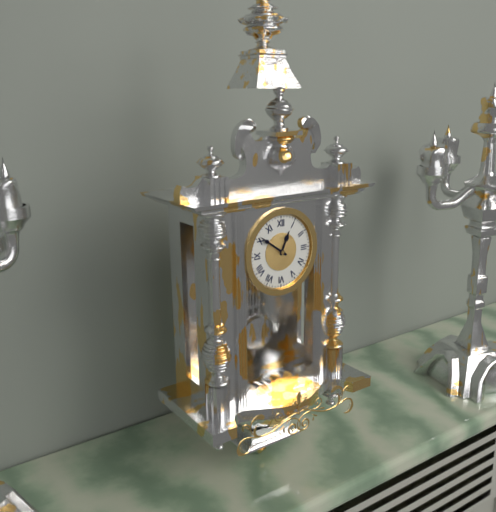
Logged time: **12:51**
